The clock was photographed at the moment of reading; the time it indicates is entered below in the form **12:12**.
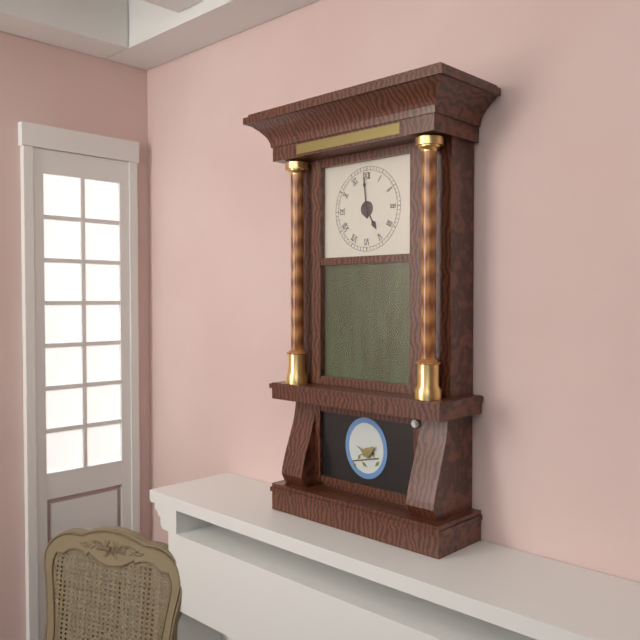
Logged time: **4:59**
